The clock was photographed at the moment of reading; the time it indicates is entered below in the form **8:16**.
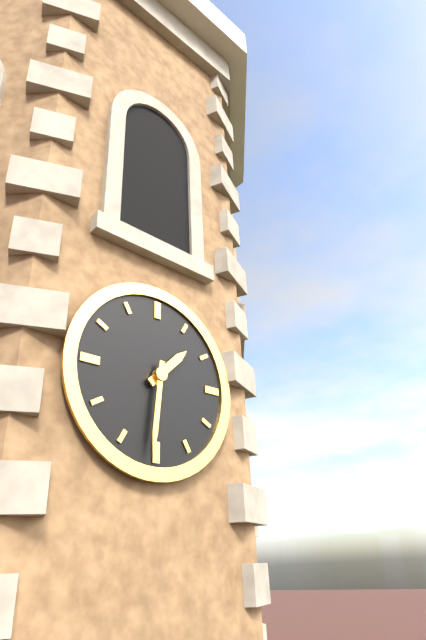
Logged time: **1:31**
